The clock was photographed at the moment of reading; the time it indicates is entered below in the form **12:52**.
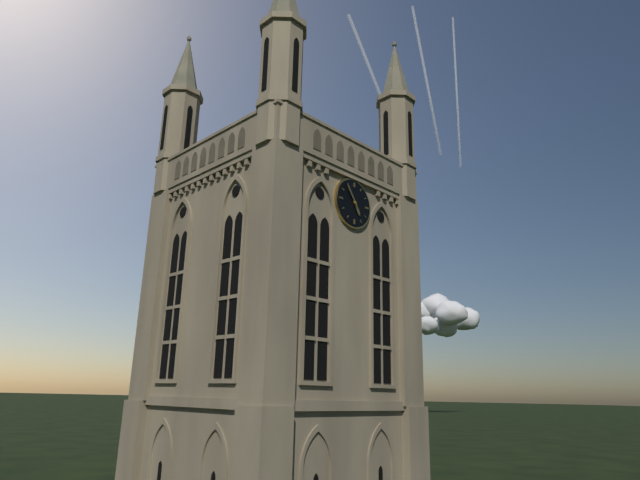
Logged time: **4:54**
